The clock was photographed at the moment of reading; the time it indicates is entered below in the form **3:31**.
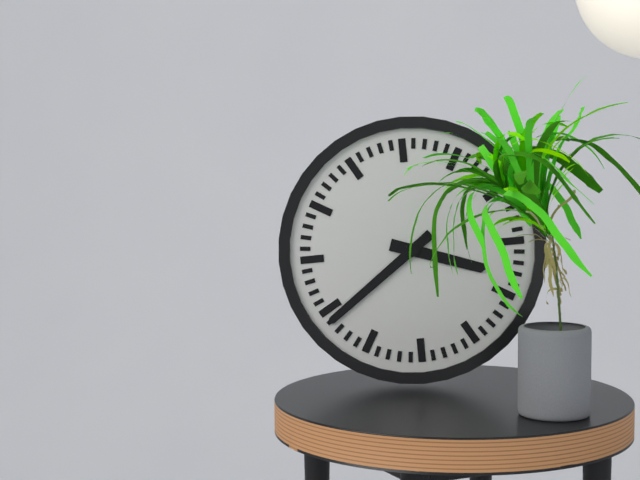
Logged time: **3:39**
